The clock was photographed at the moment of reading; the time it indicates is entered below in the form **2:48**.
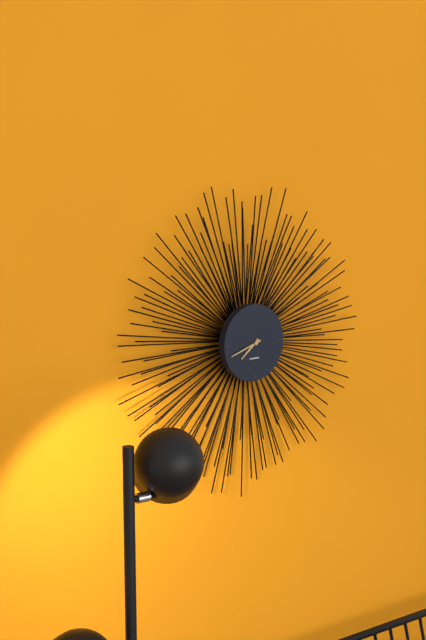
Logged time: **7:42**
